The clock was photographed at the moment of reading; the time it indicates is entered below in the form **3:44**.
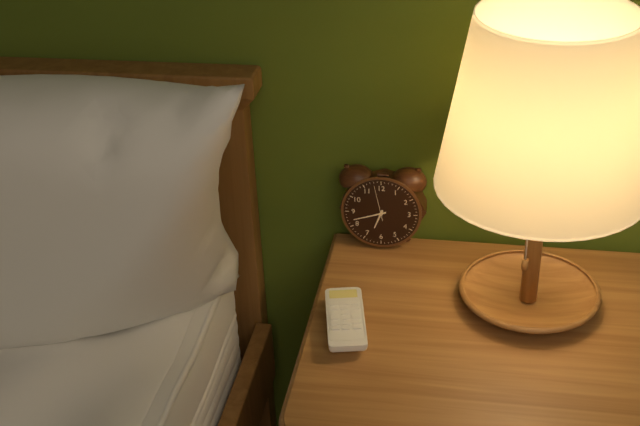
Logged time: **6:42**
